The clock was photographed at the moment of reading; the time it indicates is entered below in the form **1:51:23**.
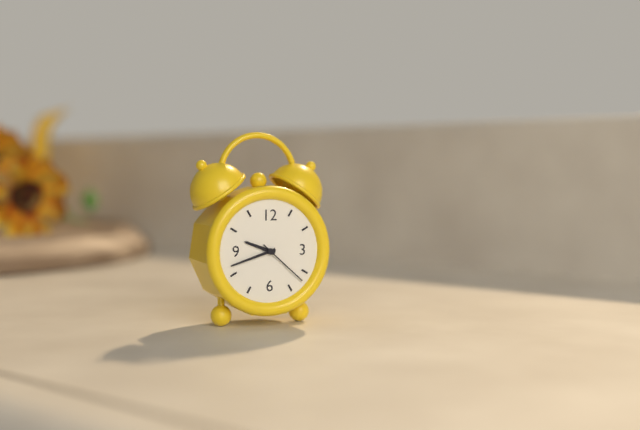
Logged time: **9:42:22**
